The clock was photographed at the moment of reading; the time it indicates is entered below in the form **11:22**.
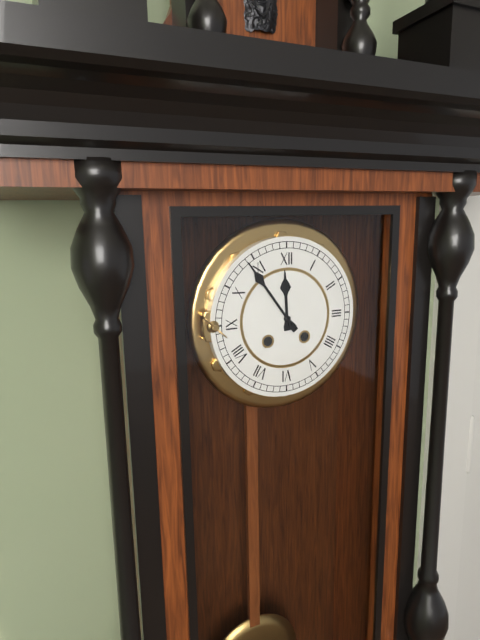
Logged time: **11:54**
